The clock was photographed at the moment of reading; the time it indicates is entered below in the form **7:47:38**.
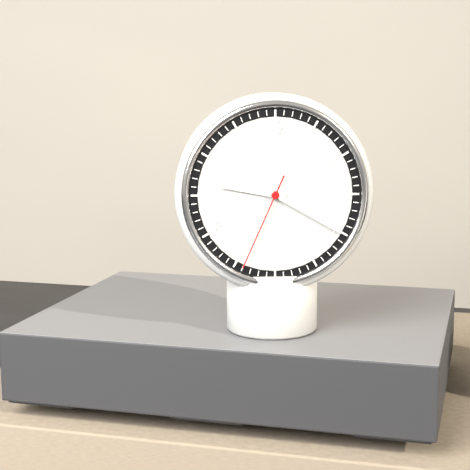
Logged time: **9:20:34**
